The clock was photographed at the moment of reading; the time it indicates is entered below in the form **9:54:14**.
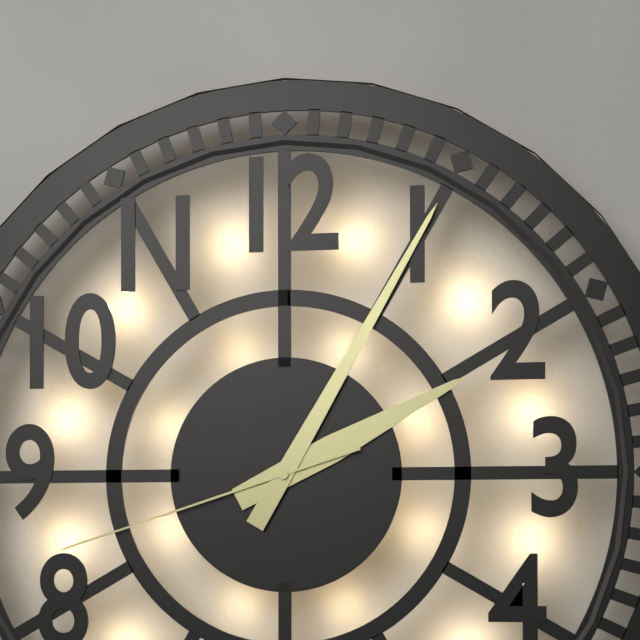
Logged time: **2:05:42**
